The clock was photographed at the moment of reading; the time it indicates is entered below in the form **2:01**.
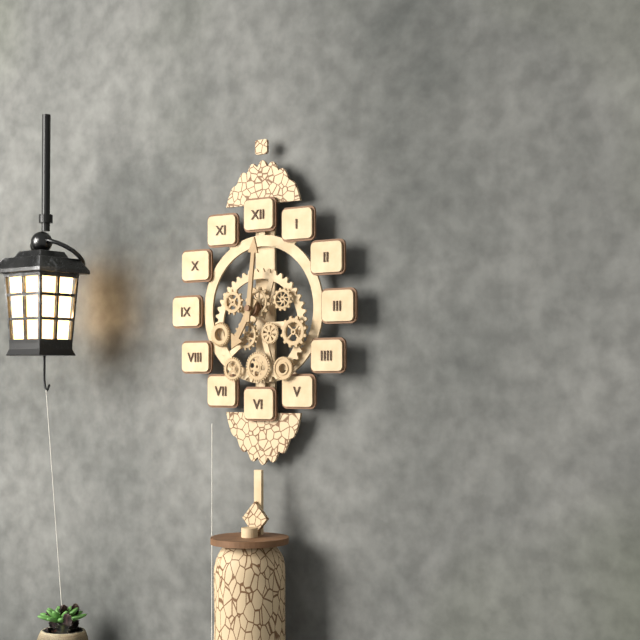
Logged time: **7:01**
